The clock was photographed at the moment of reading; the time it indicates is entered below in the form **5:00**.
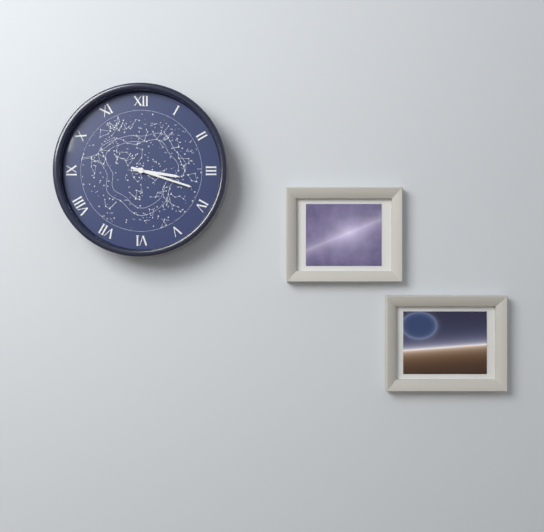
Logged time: **3:18**
